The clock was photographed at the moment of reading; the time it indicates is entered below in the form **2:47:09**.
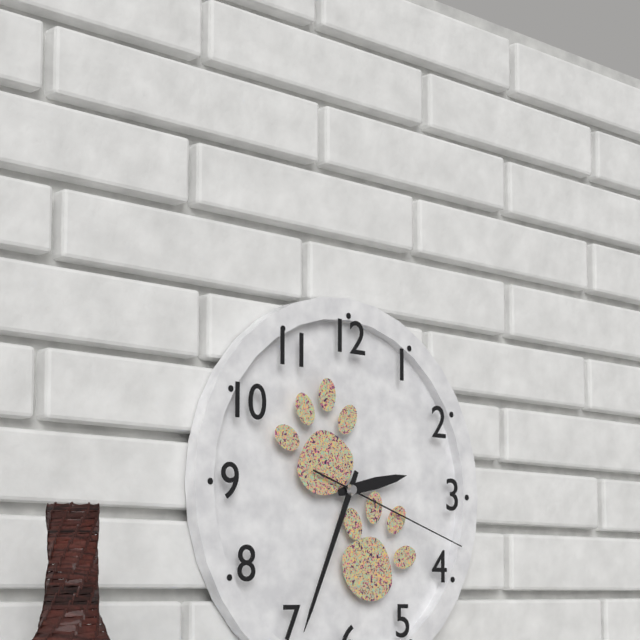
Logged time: **2:34:18**
